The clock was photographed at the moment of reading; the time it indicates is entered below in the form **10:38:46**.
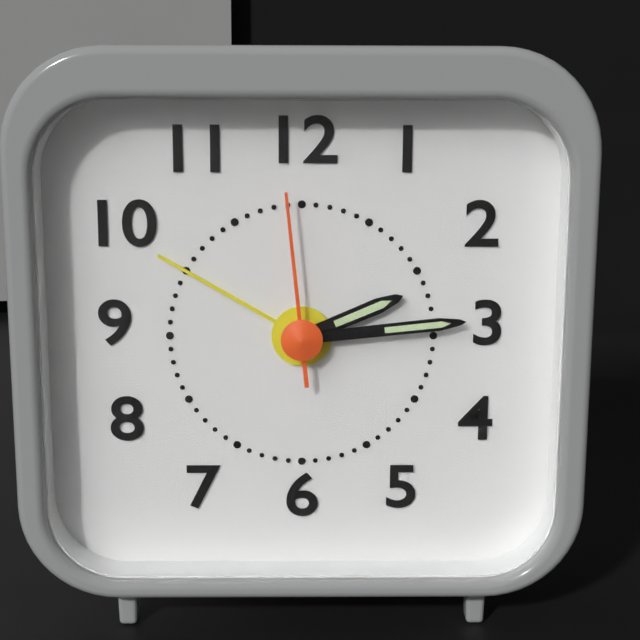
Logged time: **2:14:59**
